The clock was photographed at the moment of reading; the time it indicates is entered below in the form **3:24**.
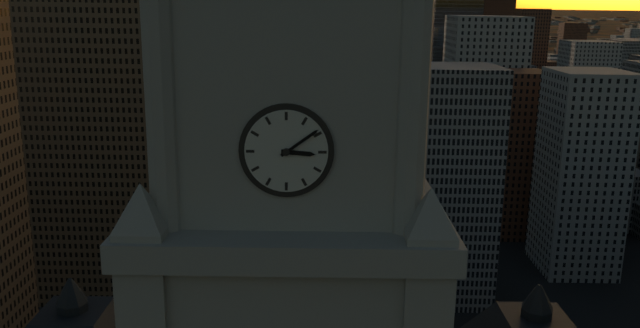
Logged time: **3:09**
